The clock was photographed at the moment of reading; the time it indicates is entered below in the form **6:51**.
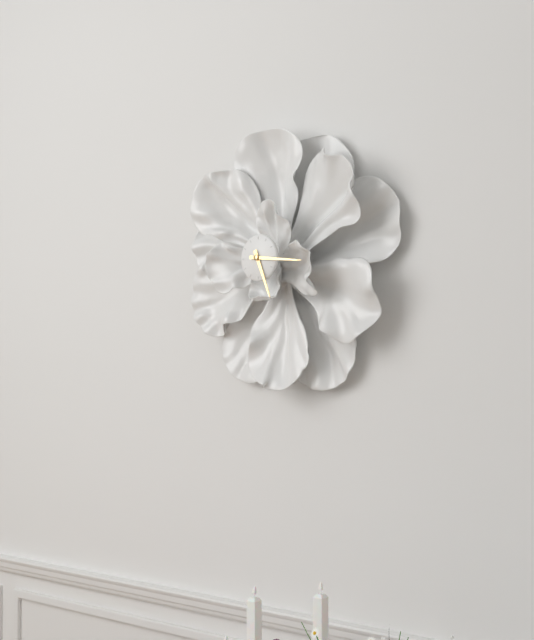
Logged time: **5:16**
